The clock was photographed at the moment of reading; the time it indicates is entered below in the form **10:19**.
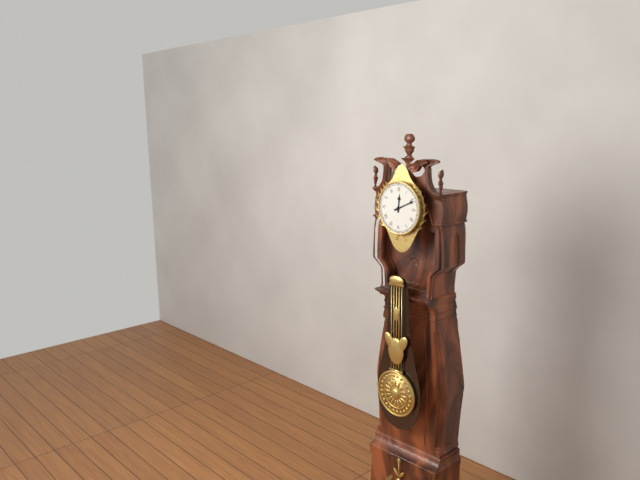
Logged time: **12:11**
